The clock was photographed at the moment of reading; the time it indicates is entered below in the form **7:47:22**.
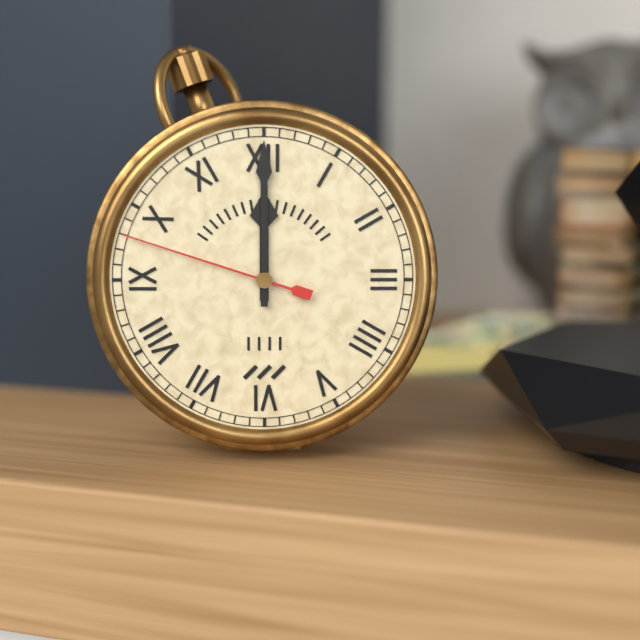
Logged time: **12:00:48**
